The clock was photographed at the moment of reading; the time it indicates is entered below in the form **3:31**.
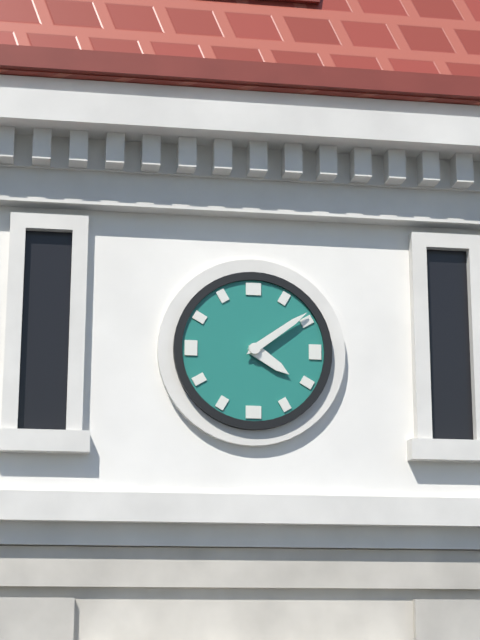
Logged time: **4:09**
